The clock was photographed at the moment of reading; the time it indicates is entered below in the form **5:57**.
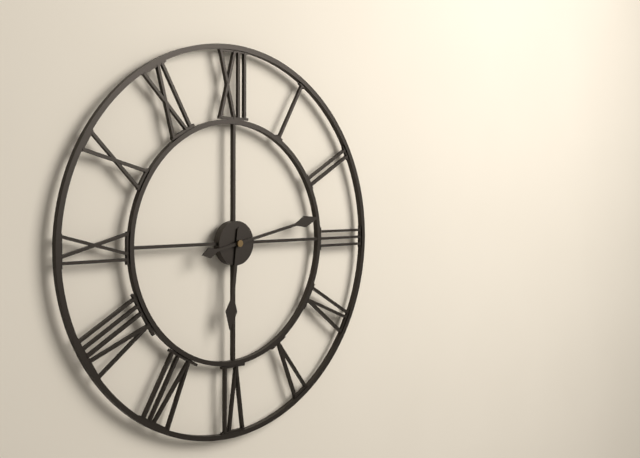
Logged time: **6:13**
